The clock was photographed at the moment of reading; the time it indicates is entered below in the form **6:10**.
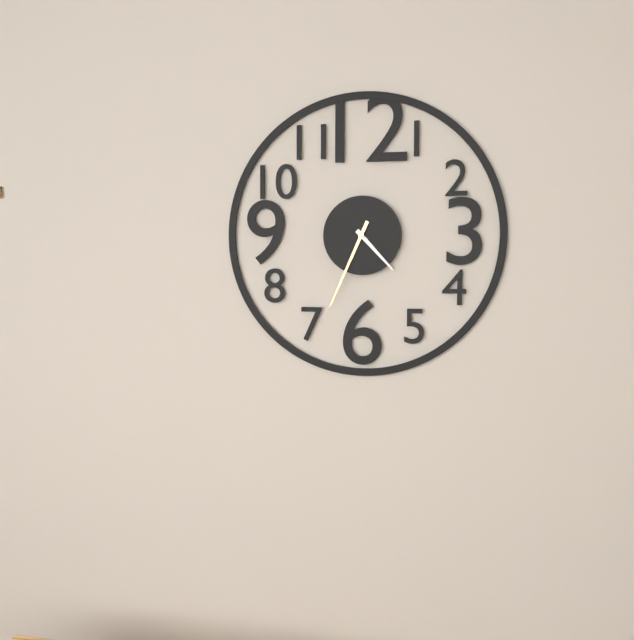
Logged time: **4:34**
